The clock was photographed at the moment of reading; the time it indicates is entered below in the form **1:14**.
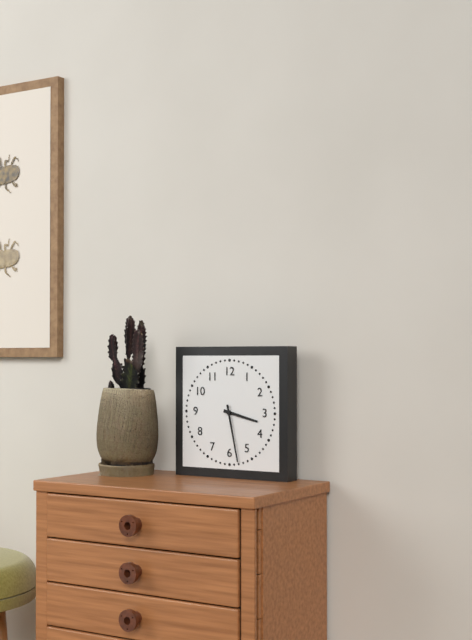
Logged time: **3:28**
